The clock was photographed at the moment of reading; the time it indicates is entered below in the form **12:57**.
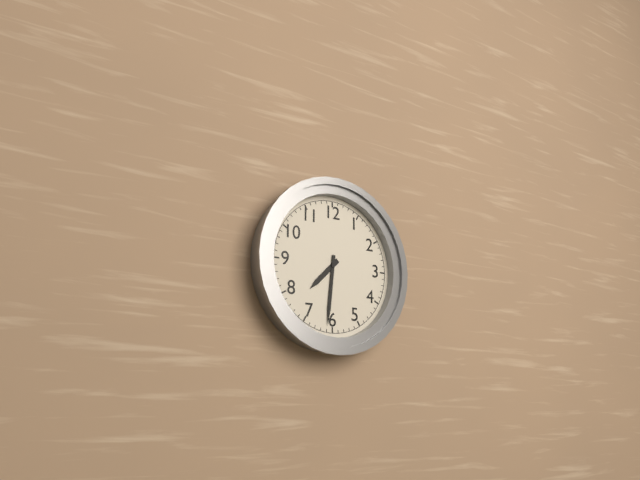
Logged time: **7:31**
